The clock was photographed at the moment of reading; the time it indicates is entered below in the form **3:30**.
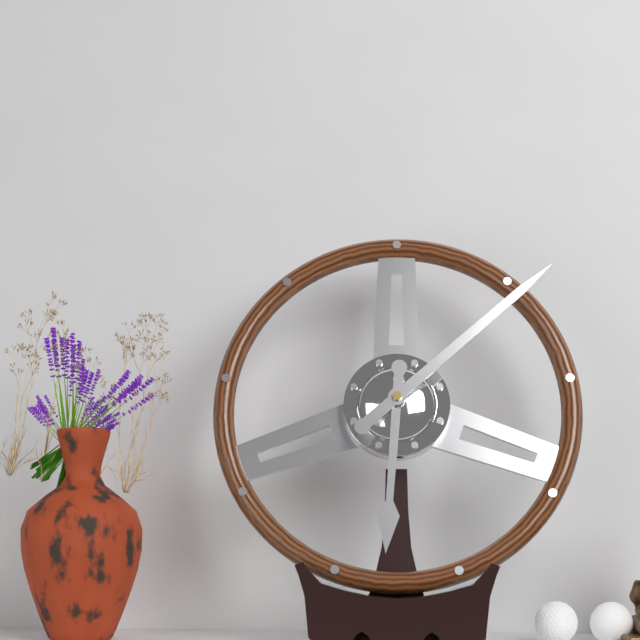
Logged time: **6:08**
